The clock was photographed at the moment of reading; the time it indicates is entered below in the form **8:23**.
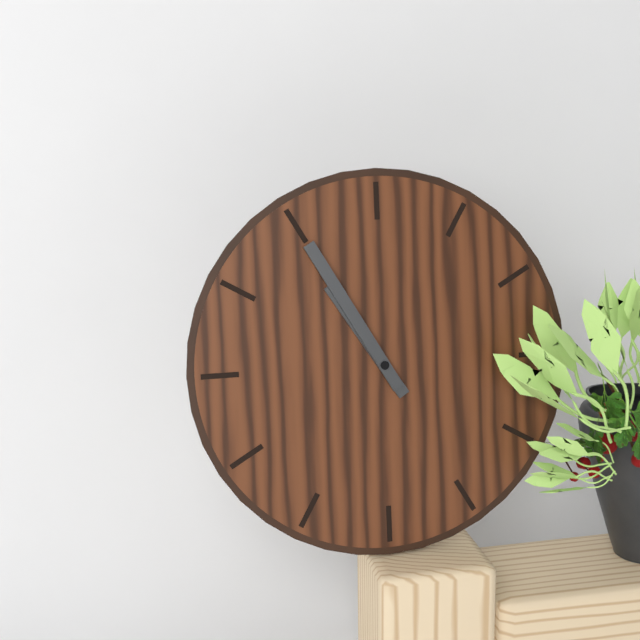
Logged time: **10:55**
